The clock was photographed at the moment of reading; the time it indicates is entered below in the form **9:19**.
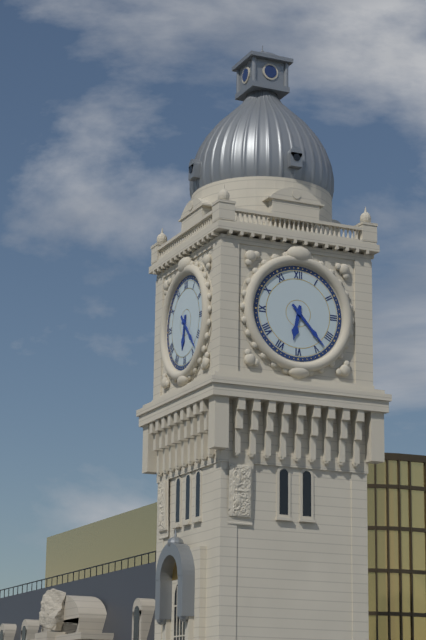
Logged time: **6:23**
